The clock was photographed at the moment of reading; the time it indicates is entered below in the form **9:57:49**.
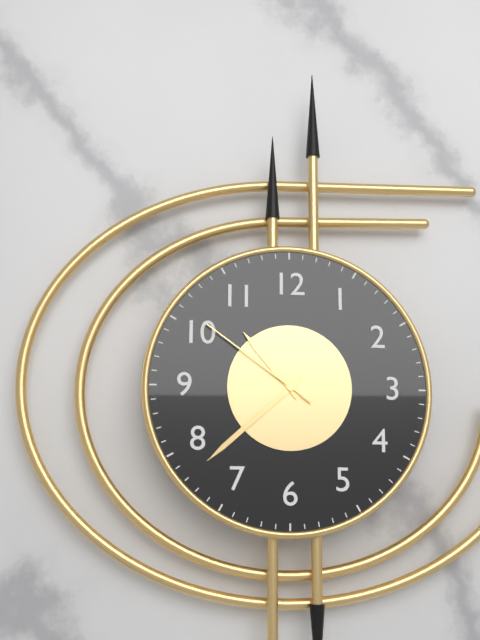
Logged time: **10:38:51**
